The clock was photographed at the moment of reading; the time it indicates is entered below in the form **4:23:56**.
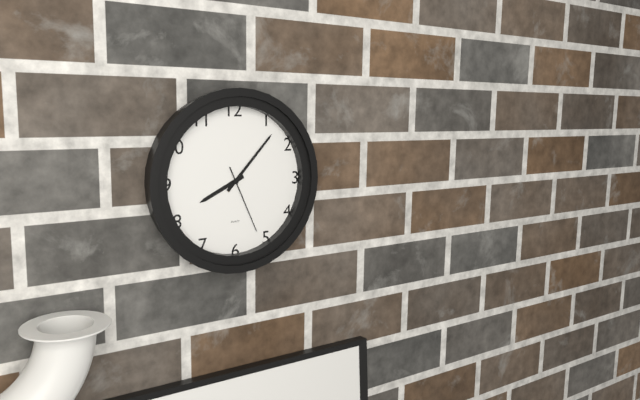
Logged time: **8:07:26**
